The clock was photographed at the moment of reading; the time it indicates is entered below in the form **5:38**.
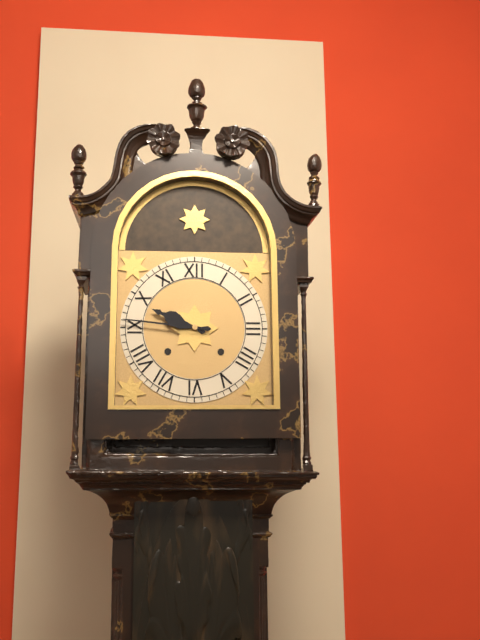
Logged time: **9:46**
